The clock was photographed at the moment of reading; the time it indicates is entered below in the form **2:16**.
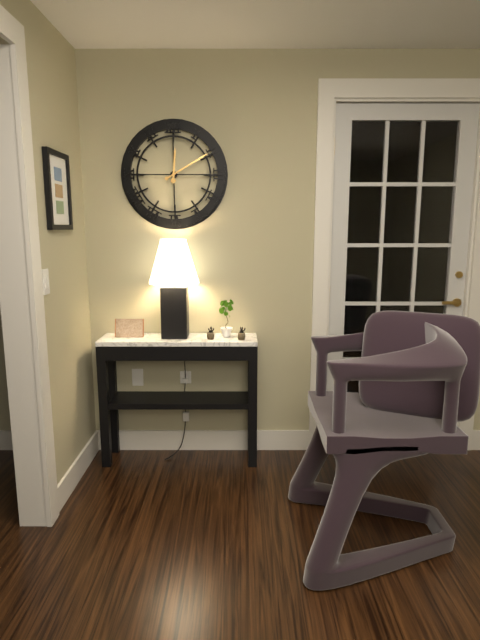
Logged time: **12:10**
